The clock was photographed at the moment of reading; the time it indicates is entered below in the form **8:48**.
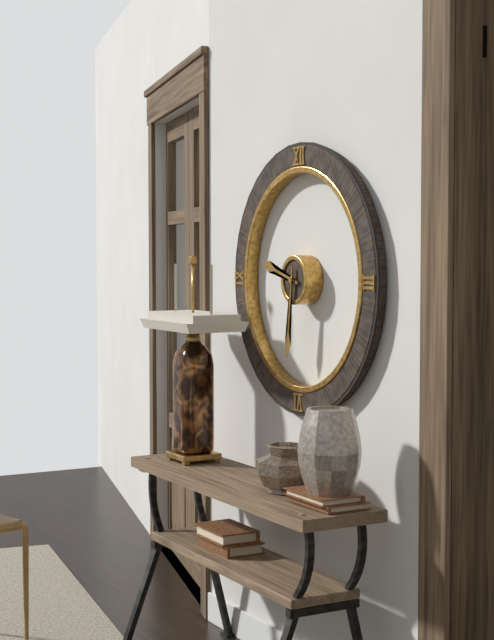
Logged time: **9:31**
